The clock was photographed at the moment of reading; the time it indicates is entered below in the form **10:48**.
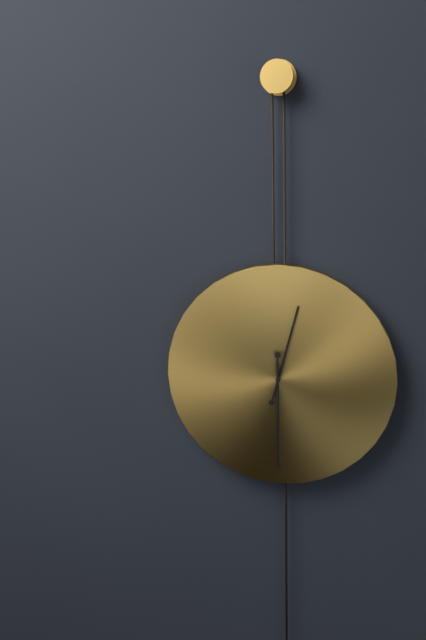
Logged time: **12:30**
